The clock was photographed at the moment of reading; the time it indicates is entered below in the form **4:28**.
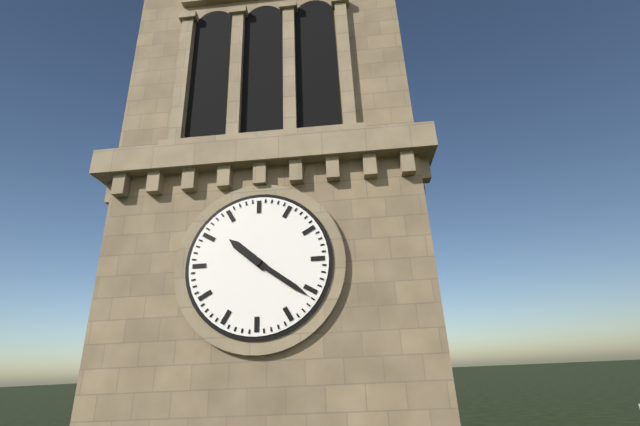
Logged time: **10:21**
